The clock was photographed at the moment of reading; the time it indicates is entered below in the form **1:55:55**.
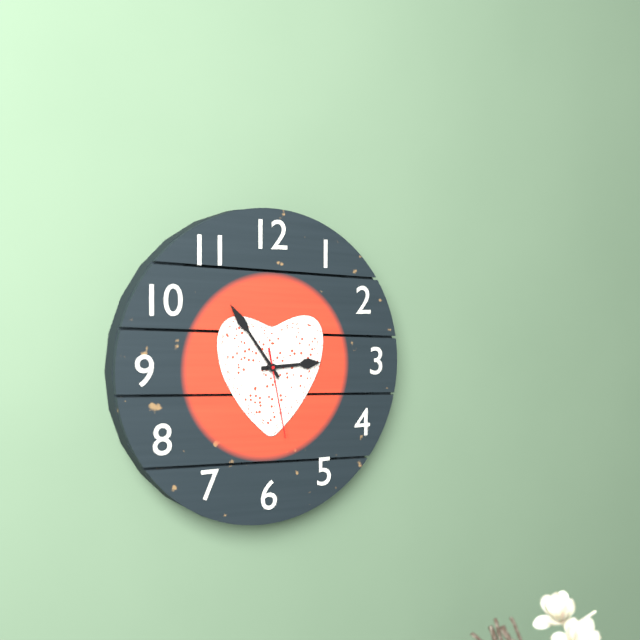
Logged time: **2:54:28**
